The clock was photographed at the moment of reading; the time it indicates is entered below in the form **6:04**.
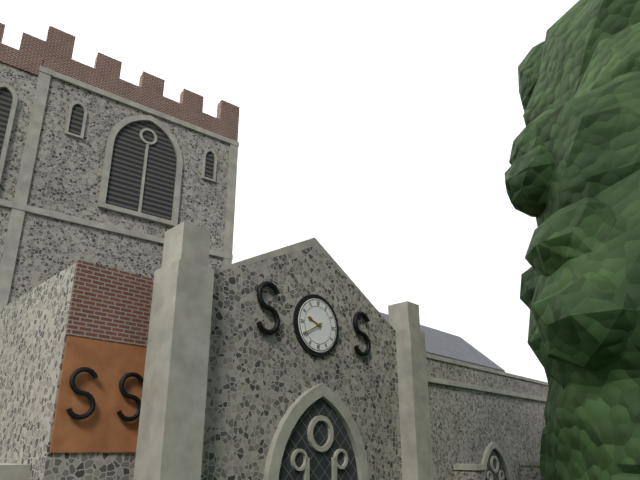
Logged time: **9:40**
